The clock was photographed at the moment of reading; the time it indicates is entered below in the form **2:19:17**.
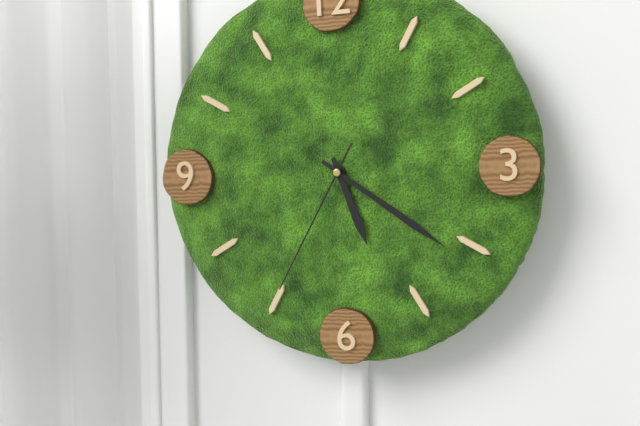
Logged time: **5:21:35**
